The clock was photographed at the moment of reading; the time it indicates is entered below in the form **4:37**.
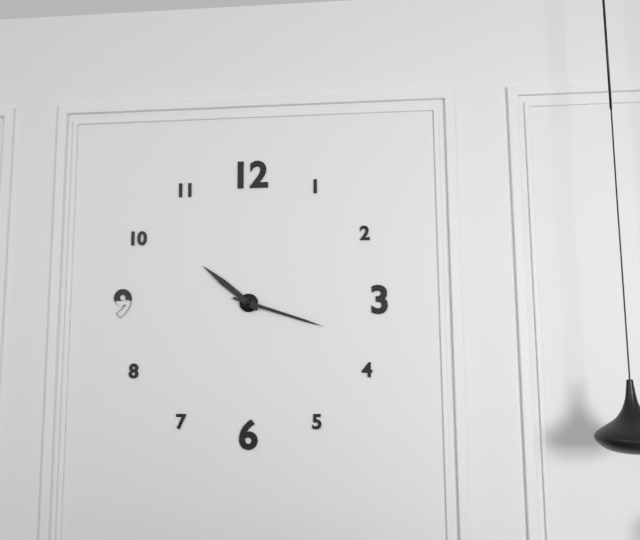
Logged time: **10:18**
